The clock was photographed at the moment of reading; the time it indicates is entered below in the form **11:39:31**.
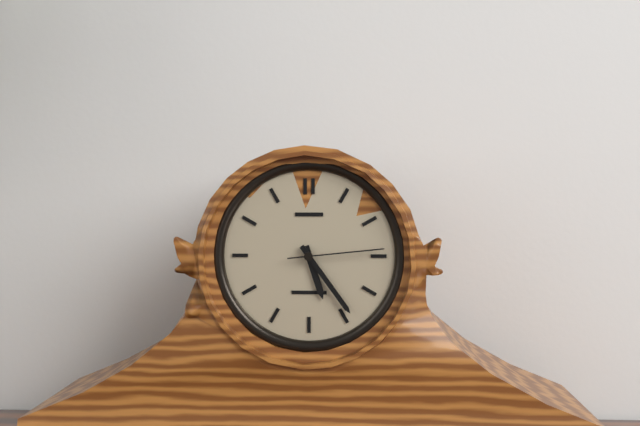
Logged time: **5:24:14**
